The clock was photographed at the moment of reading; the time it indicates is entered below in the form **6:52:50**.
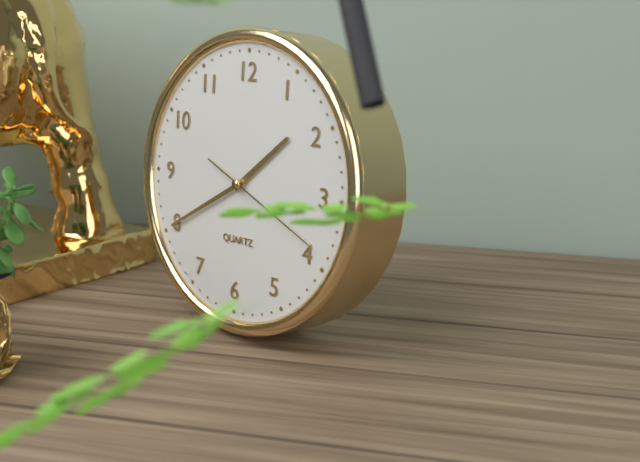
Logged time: **1:40:19**
